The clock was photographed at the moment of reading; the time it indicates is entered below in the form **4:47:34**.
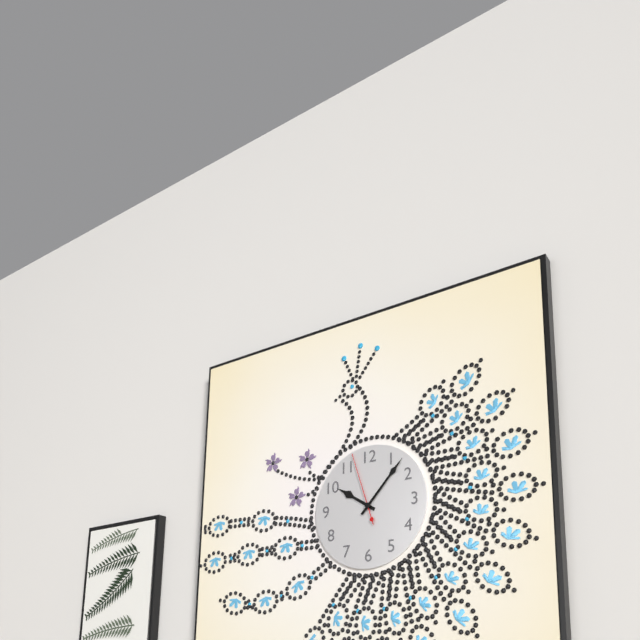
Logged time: **10:07:57**
